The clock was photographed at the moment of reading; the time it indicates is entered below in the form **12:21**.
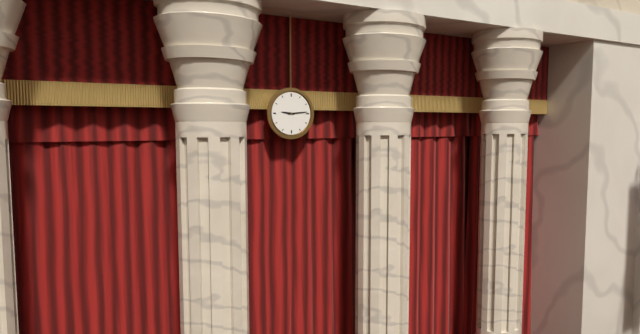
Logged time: **9:14**
